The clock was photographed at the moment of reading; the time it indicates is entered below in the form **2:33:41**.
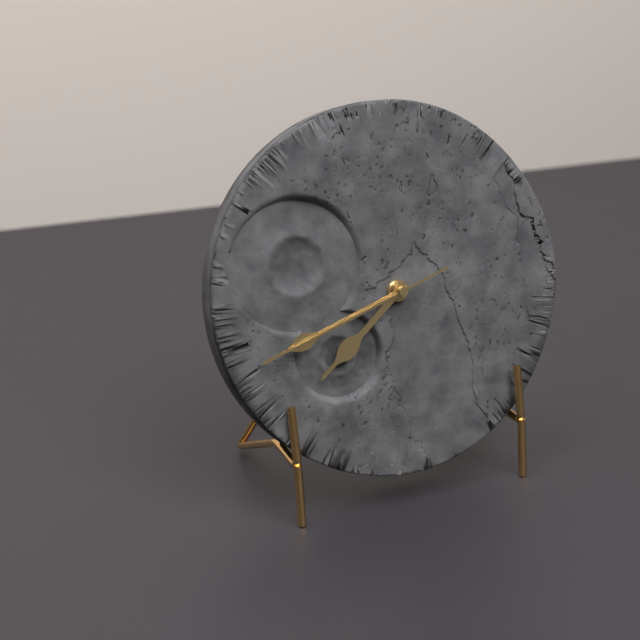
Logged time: **7:42:42**
